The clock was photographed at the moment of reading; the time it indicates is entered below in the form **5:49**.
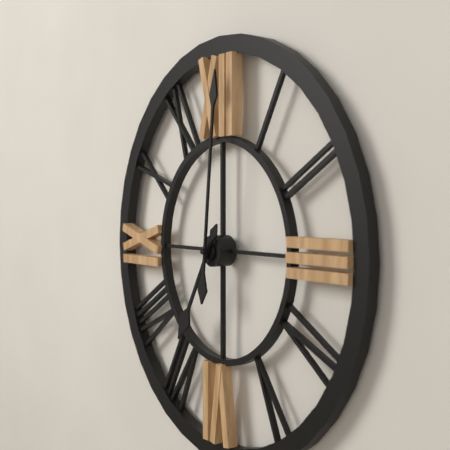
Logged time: **7:01**
